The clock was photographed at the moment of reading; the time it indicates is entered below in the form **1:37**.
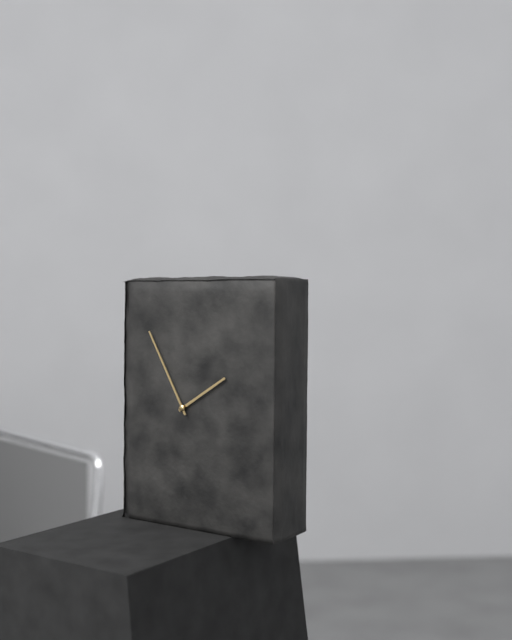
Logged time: **1:55**
